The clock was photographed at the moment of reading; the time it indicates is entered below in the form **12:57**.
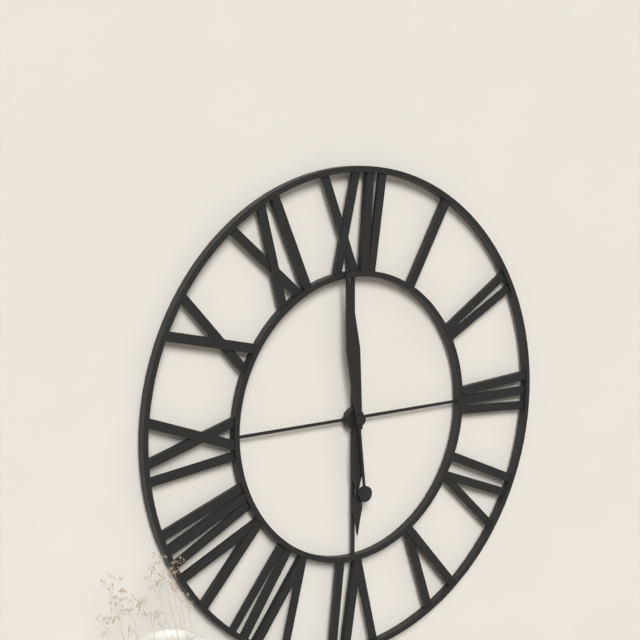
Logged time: **5:59**
